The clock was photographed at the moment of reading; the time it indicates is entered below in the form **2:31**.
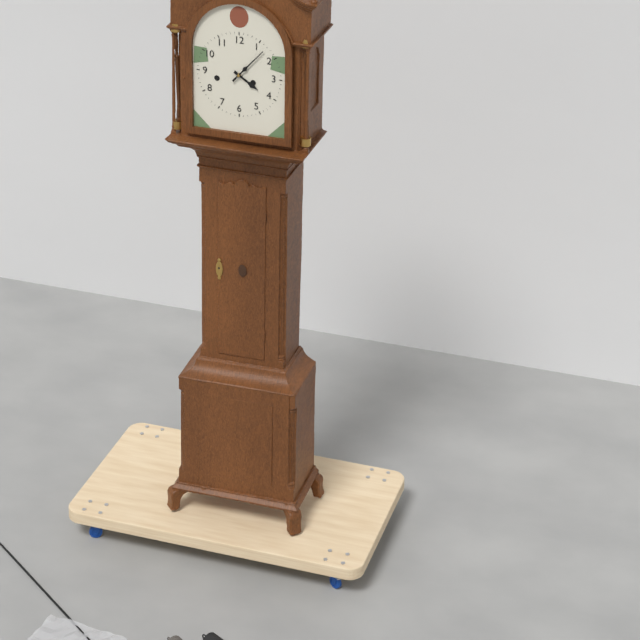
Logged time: **4:07**
